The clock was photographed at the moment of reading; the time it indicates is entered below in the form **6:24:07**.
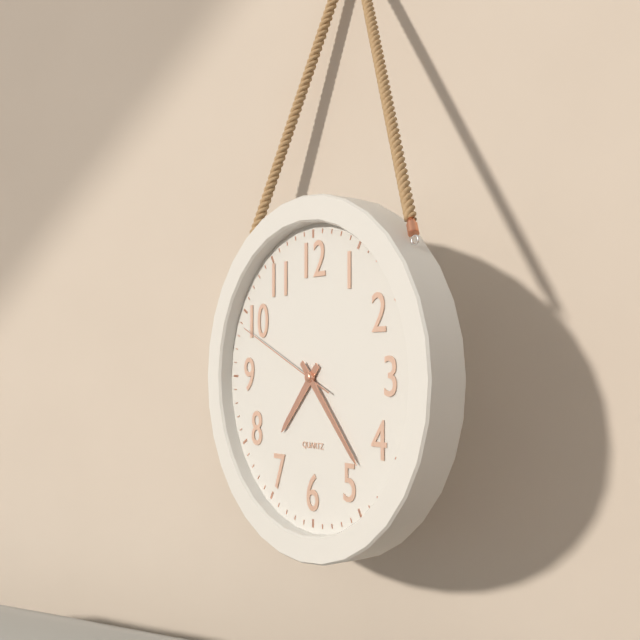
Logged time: **7:23:49**
